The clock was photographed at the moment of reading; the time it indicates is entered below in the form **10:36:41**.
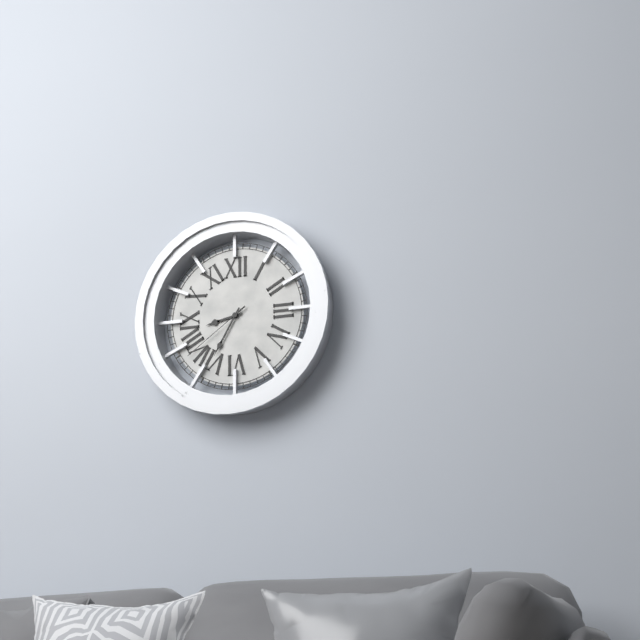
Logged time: **8:35:39**
